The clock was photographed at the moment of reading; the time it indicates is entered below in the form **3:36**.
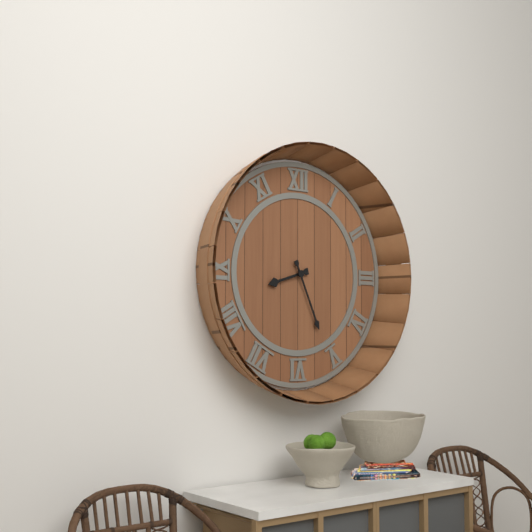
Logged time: **8:26**
